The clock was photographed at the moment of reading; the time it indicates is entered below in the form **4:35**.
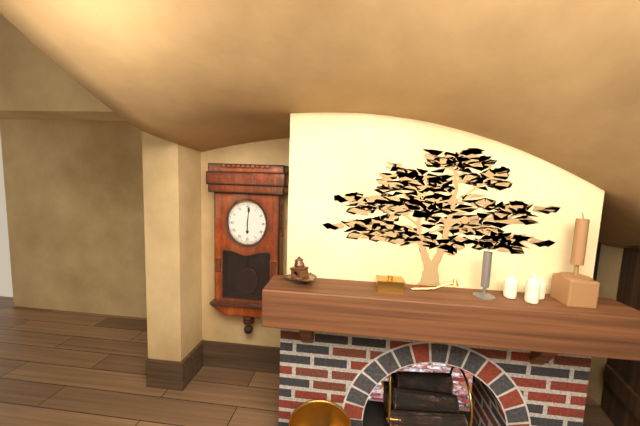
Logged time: **6:01**
